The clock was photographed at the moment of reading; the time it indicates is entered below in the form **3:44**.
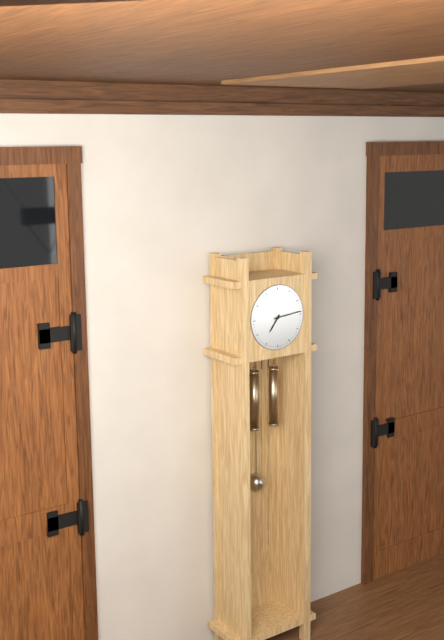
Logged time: **7:14**
